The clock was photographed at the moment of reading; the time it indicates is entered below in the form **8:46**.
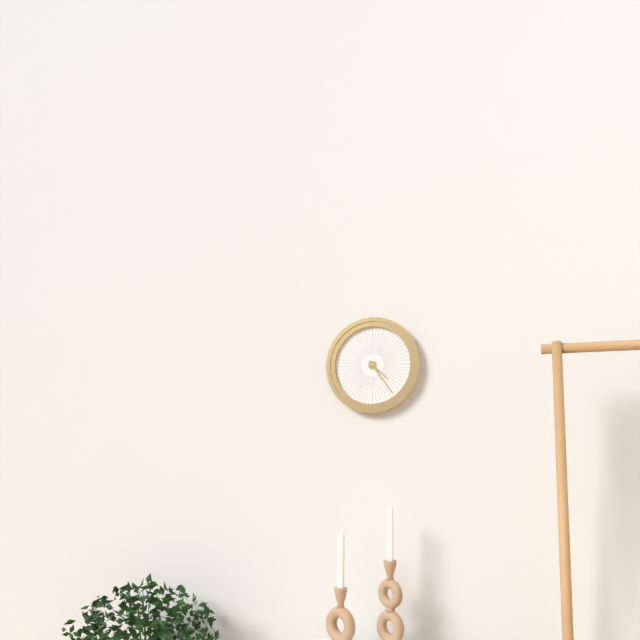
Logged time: **4:24**
